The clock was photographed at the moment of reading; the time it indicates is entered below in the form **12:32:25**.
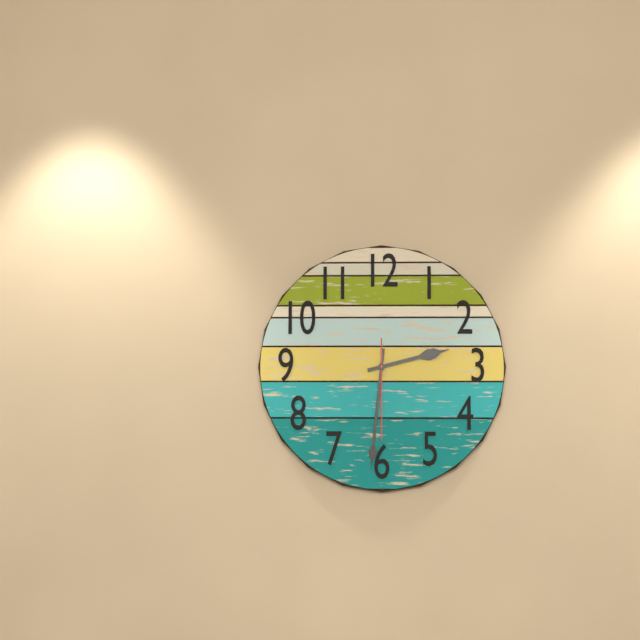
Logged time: **2:31:30**
